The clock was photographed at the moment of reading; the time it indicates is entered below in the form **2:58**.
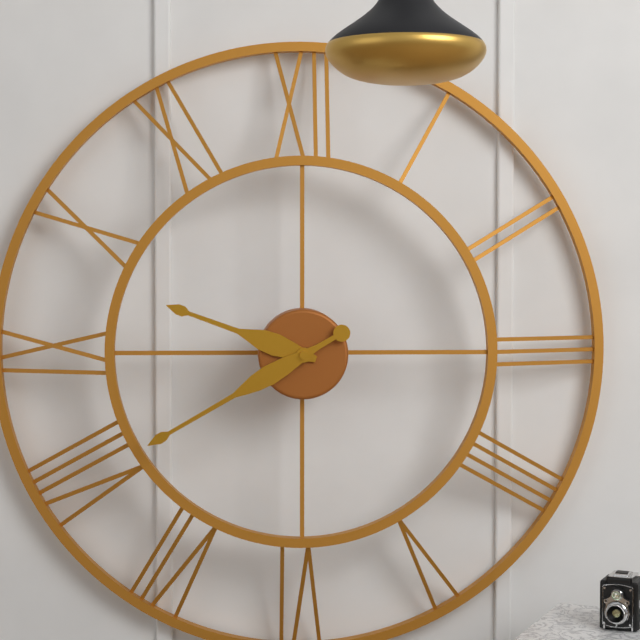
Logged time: **9:40**
